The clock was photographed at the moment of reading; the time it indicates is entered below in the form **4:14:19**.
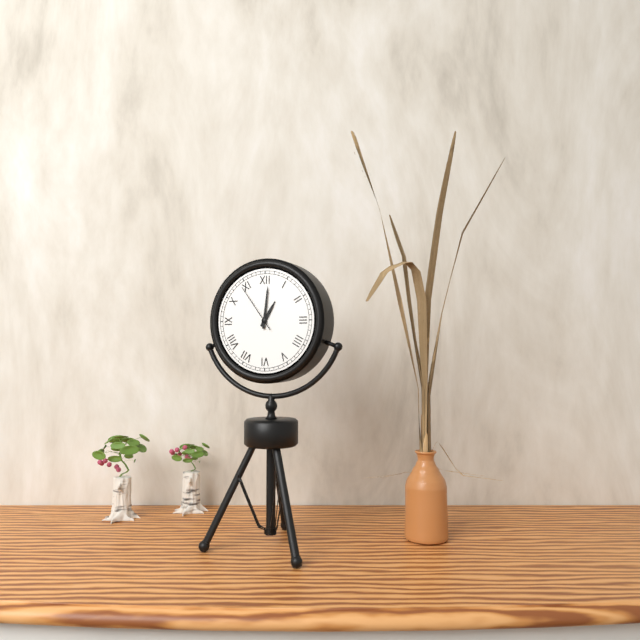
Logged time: **1:01:54**
